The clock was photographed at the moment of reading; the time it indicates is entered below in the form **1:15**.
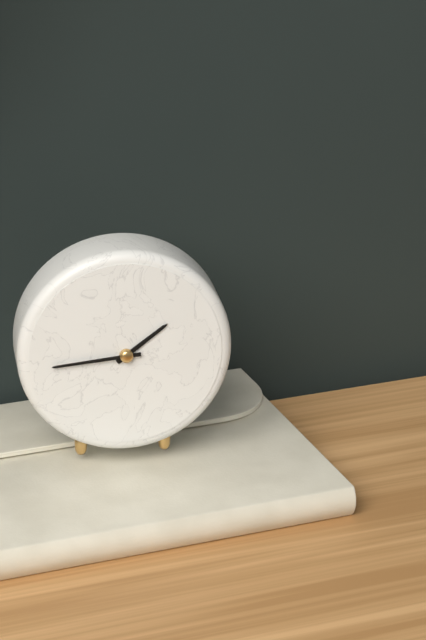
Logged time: **1:44**
